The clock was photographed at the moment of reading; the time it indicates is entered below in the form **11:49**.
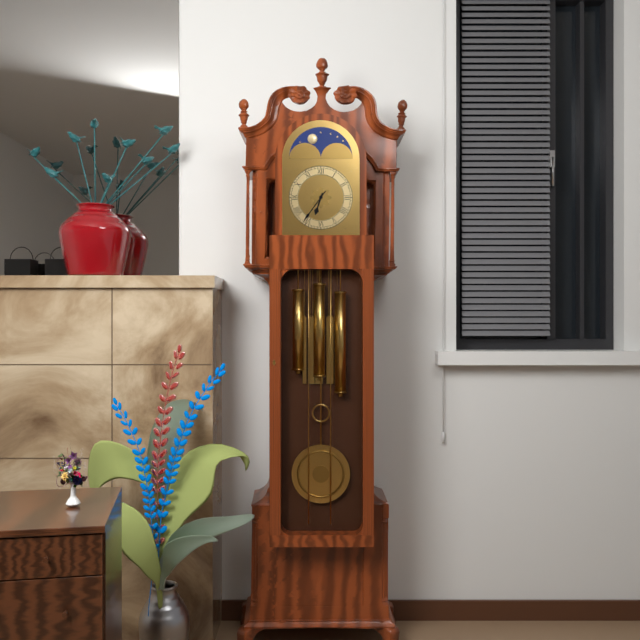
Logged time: **6:36**
